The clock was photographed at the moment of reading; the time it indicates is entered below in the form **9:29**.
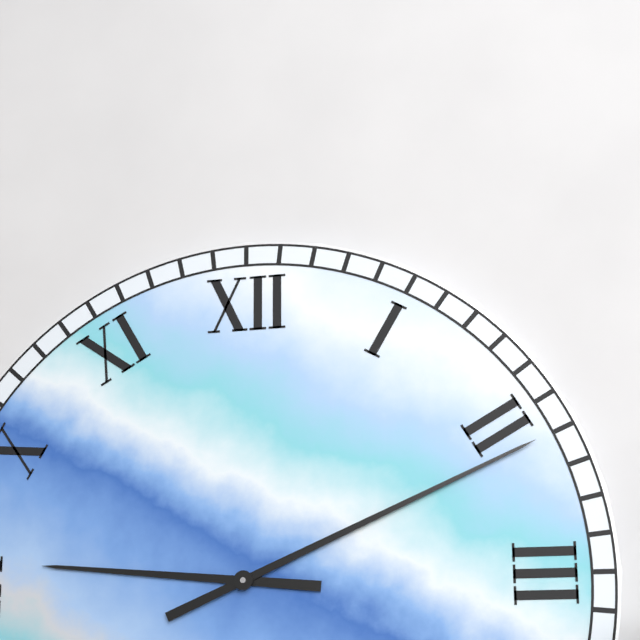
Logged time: **9:11**
